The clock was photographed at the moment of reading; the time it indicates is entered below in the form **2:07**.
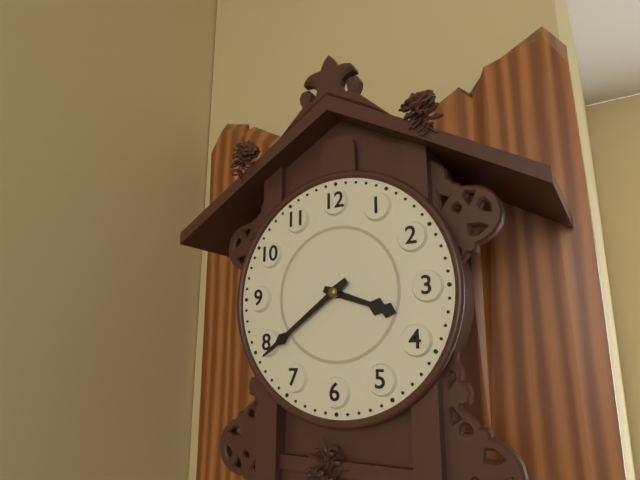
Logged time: **3:39**
